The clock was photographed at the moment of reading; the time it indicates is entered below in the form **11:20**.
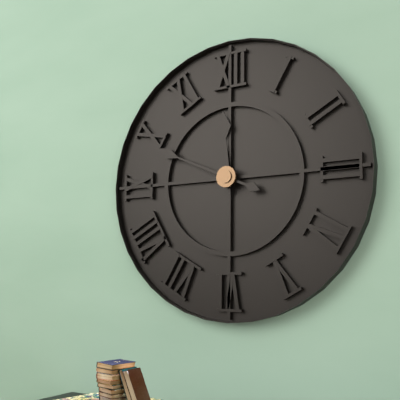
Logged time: **11:49**
